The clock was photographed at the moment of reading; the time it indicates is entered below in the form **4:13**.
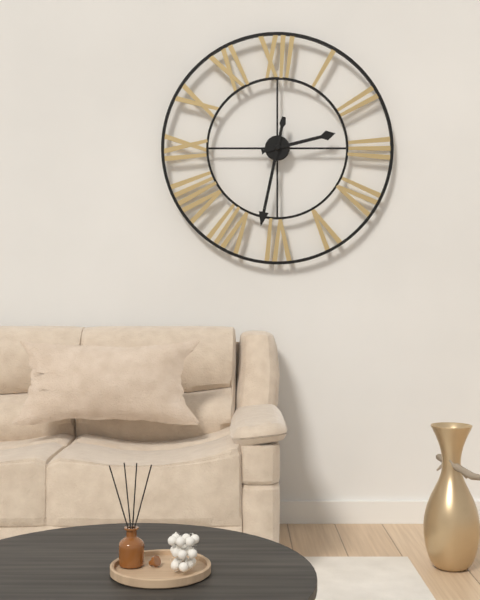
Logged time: **2:32**
